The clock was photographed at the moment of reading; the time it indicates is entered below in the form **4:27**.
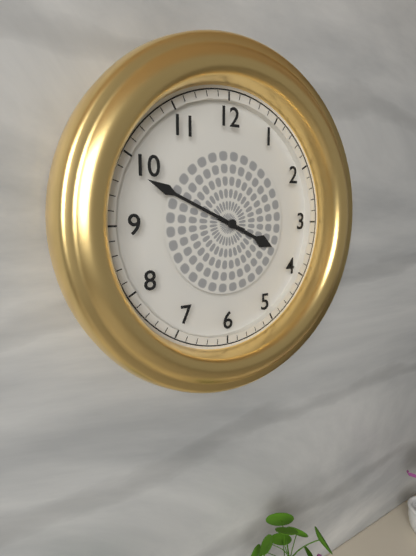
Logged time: **3:49**
